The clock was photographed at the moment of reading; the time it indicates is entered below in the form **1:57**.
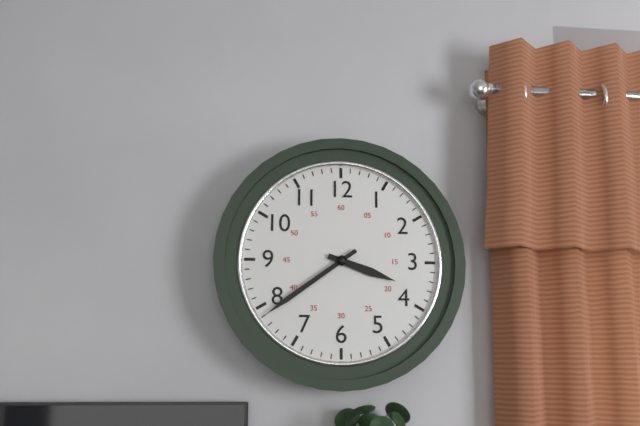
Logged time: **3:39**
